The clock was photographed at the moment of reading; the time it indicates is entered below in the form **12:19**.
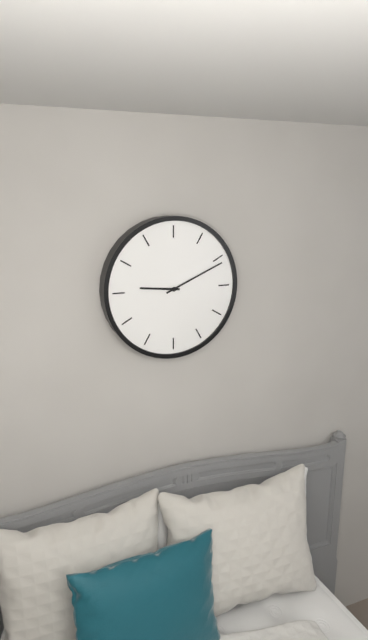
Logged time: **9:11**
